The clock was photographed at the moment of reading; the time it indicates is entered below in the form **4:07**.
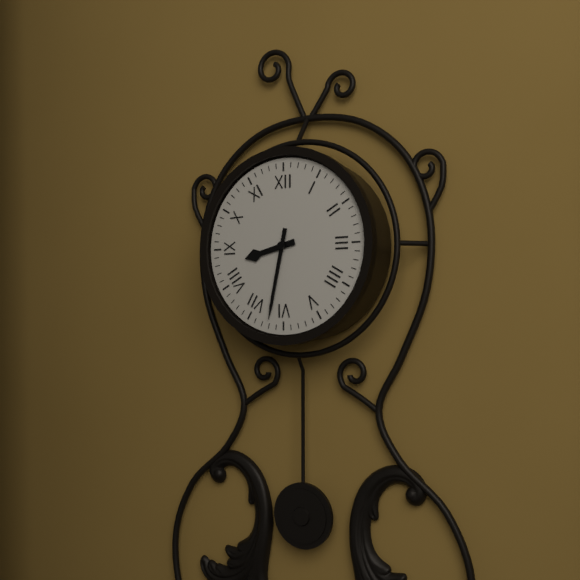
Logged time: **8:32**
